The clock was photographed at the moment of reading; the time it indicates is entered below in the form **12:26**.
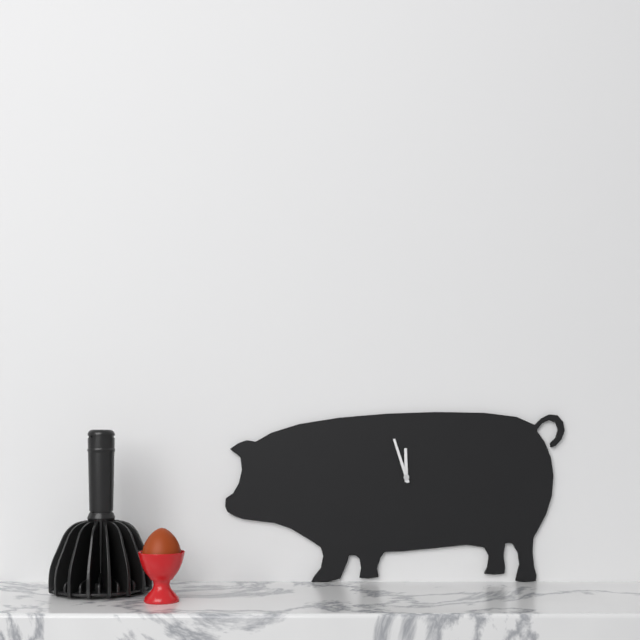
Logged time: **11:57**
